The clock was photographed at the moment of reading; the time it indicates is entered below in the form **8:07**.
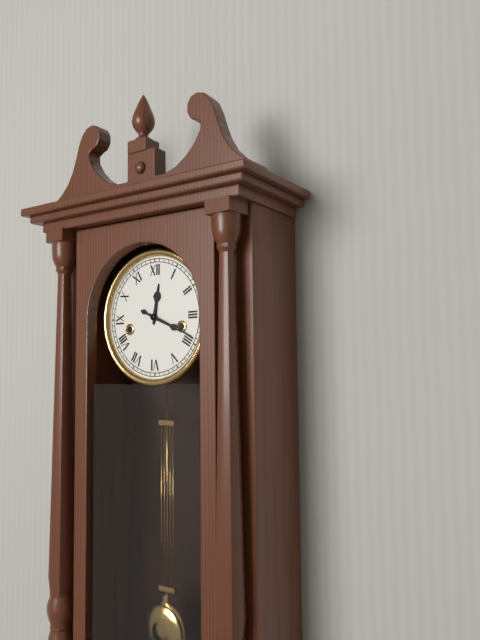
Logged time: **12:19**
